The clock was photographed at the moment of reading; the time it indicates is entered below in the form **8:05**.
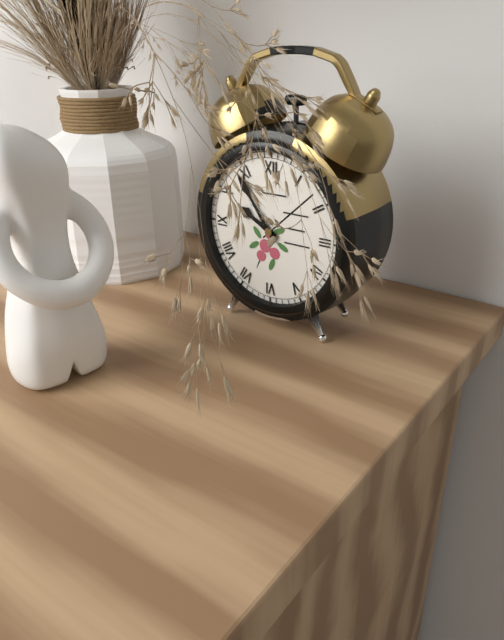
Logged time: **9:54**
